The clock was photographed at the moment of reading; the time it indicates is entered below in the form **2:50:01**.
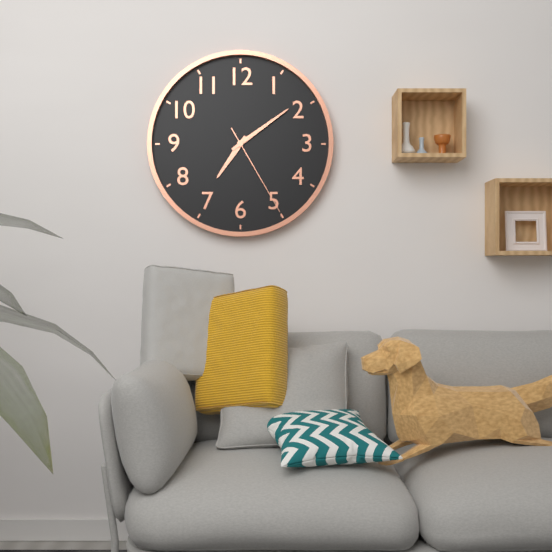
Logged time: **7:09:25**
